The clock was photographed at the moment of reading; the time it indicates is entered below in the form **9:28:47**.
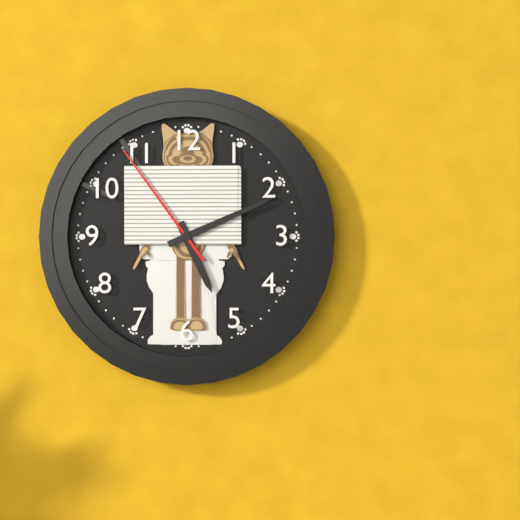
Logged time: **5:11:54**
